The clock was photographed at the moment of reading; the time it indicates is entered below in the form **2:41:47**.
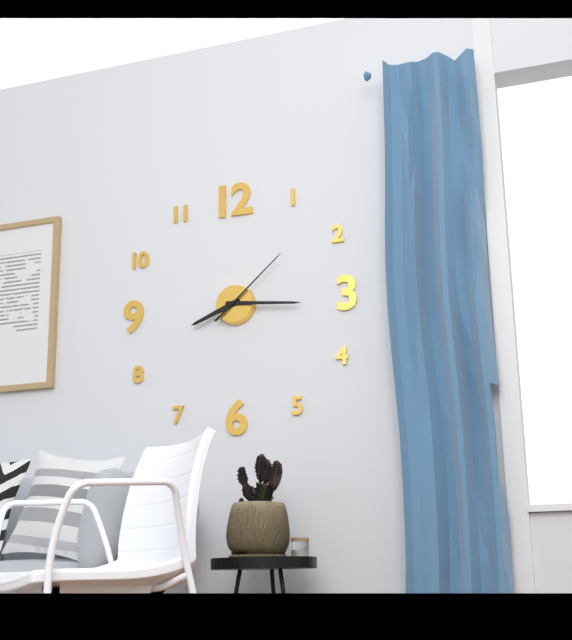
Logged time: **8:16:08**
